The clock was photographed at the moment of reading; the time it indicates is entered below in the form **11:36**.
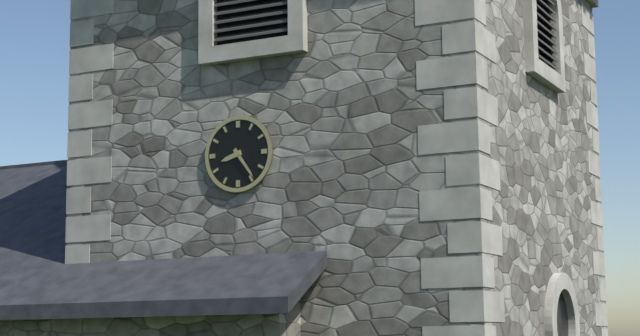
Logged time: **8:24**
